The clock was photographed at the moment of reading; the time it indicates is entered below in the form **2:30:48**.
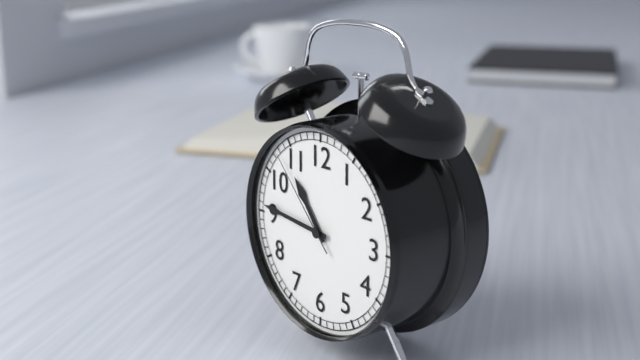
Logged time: **10:46:53**
